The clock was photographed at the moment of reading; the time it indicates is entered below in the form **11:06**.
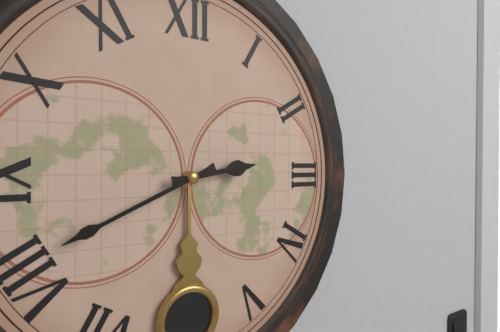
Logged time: **2:41**
